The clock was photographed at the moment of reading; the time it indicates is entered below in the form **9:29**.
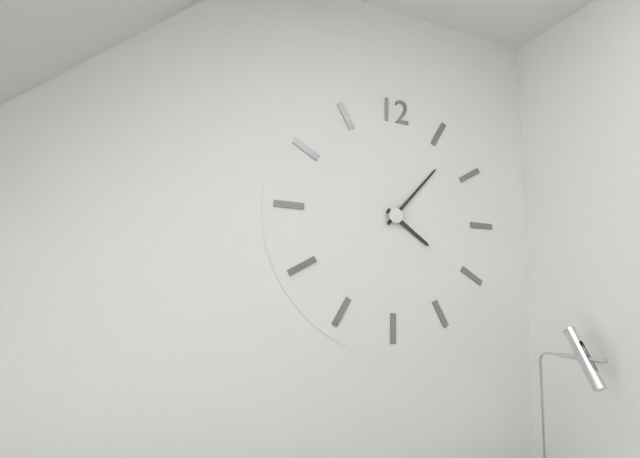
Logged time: **4:07**
